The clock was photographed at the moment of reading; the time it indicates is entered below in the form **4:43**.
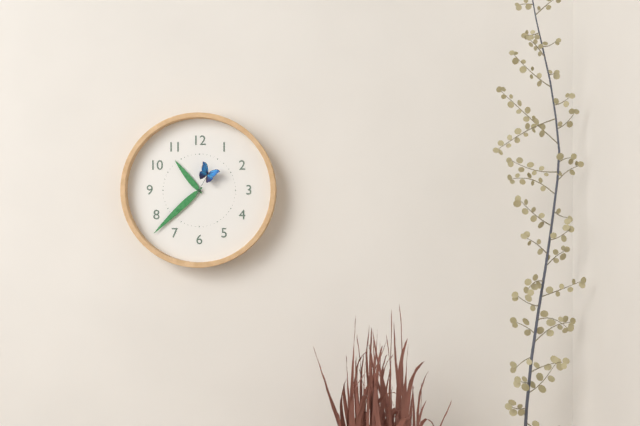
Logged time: **10:38**
